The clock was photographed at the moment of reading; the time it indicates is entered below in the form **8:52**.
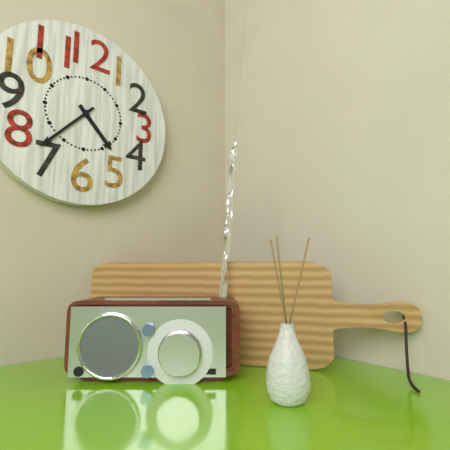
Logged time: **4:37**
